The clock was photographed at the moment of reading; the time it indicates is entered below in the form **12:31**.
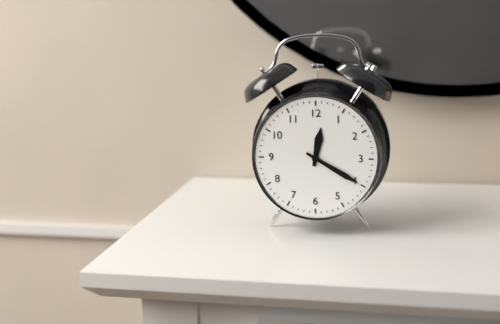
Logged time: **12:20**
